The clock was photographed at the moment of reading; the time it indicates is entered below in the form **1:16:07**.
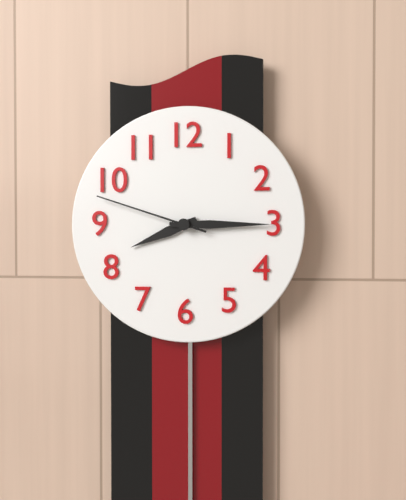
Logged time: **8:15:48**
